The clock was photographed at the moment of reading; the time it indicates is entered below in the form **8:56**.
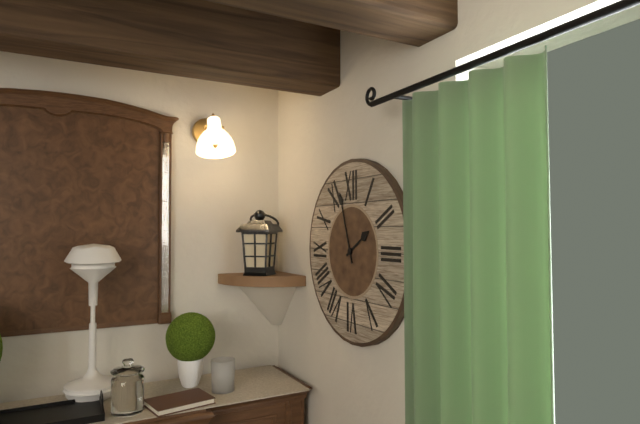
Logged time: **1:57**
